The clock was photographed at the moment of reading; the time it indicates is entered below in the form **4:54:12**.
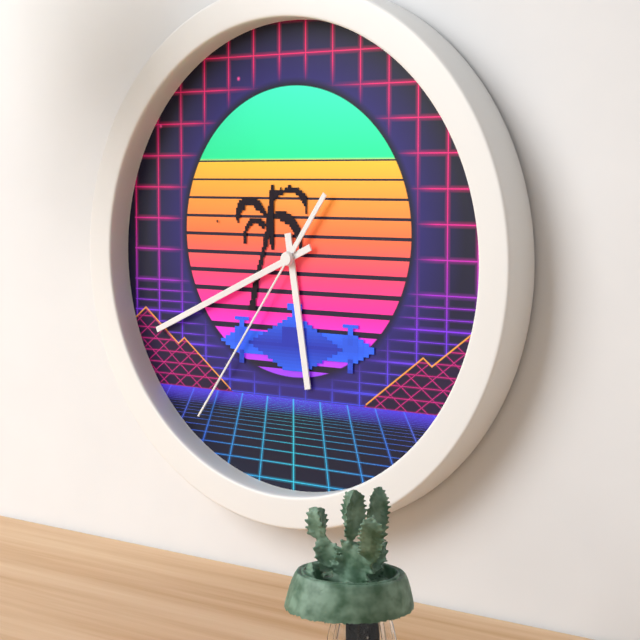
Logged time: **5:41:36**
